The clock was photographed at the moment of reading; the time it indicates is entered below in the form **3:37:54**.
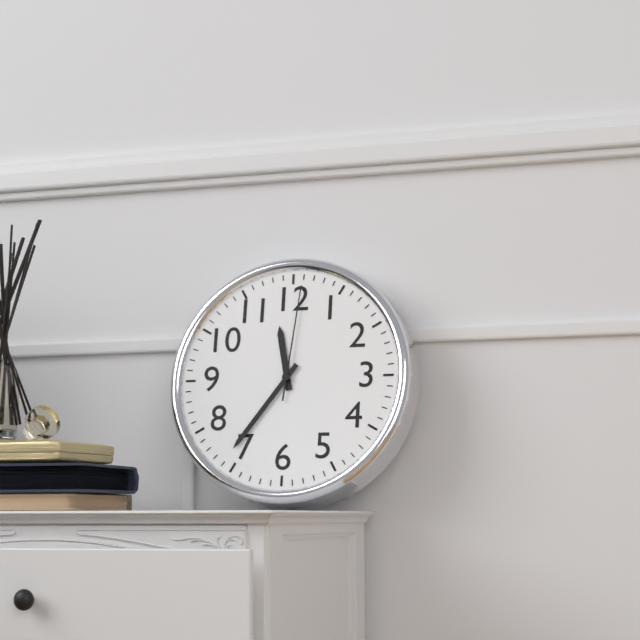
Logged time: **11:36:01**
